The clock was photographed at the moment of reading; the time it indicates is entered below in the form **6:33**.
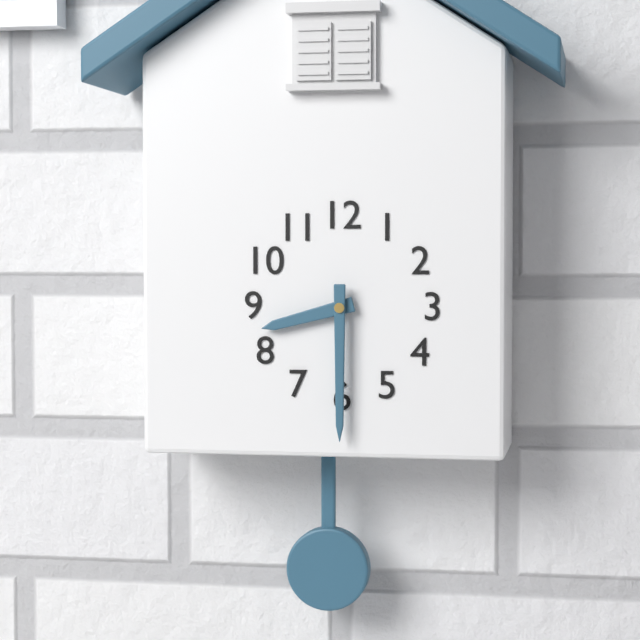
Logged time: **8:30**
